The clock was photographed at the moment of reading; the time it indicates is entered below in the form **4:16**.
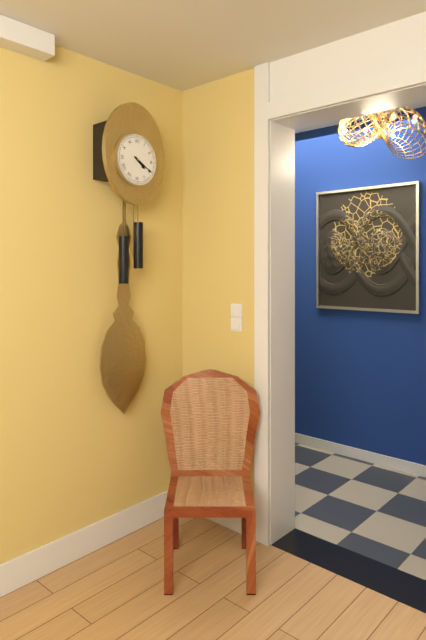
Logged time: **4:20**
